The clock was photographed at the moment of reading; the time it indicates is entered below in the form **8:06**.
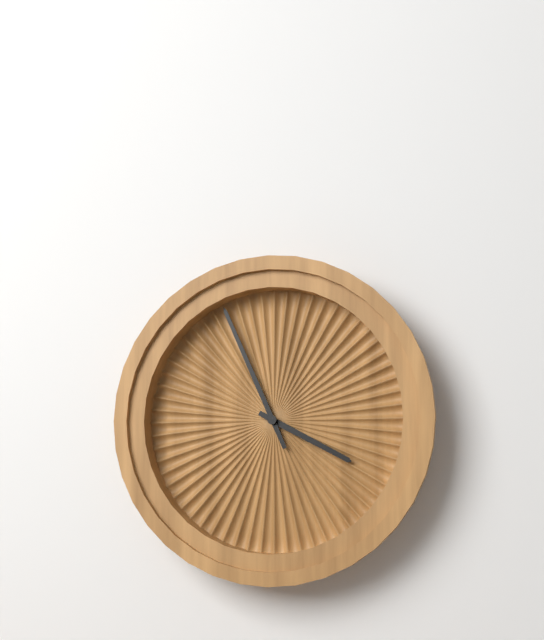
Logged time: **3:56**
